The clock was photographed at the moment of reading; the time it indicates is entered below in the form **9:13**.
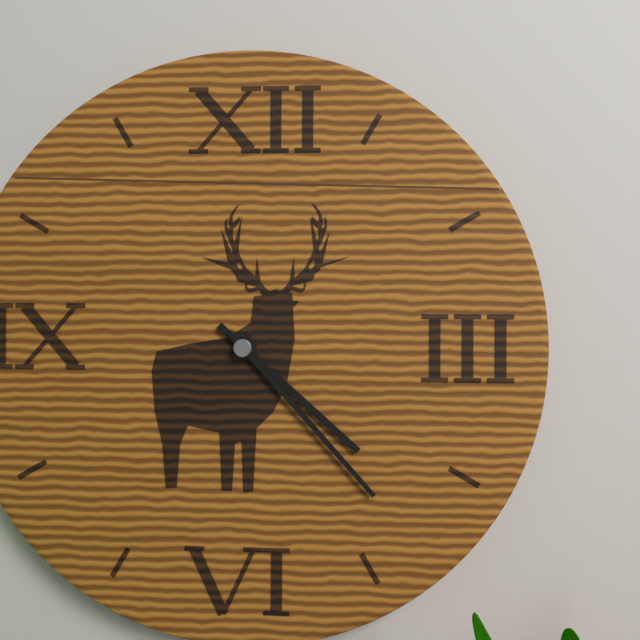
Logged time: **4:23**
